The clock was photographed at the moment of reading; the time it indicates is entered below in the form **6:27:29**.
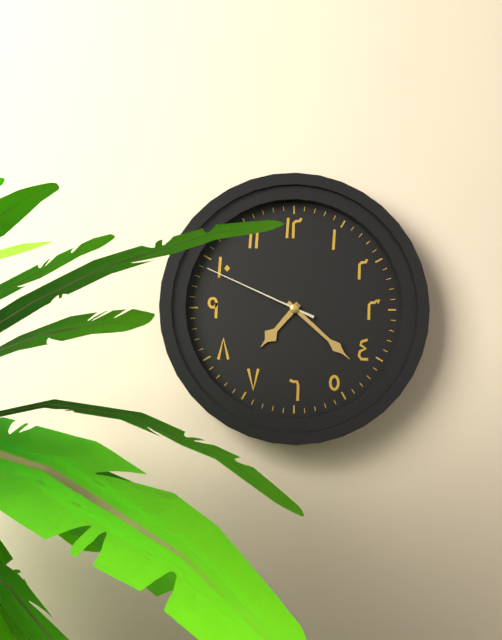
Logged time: **7:22:49**
